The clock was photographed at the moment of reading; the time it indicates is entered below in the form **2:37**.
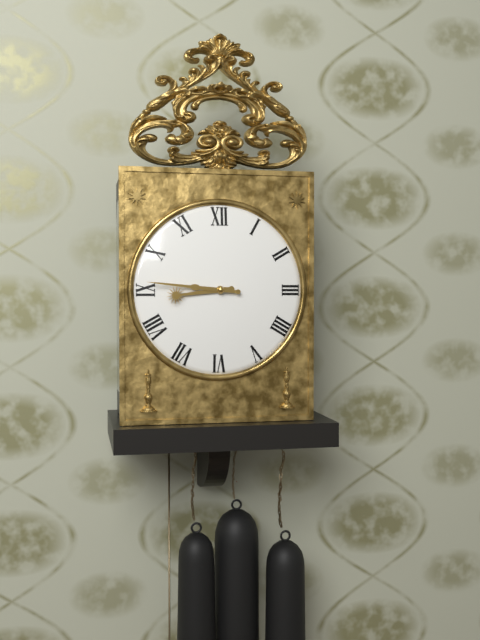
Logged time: **8:46**
